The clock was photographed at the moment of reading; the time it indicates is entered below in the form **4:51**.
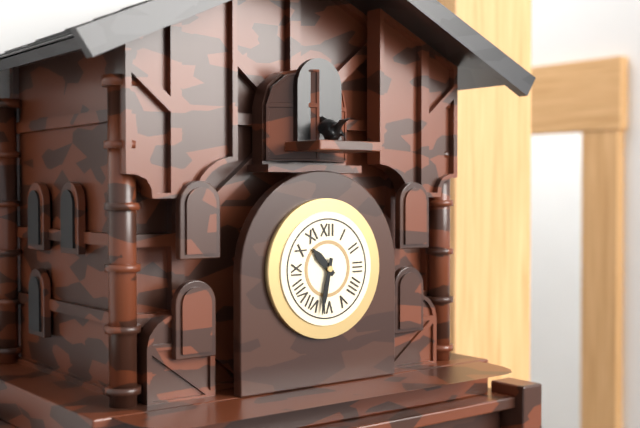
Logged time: **10:32**
